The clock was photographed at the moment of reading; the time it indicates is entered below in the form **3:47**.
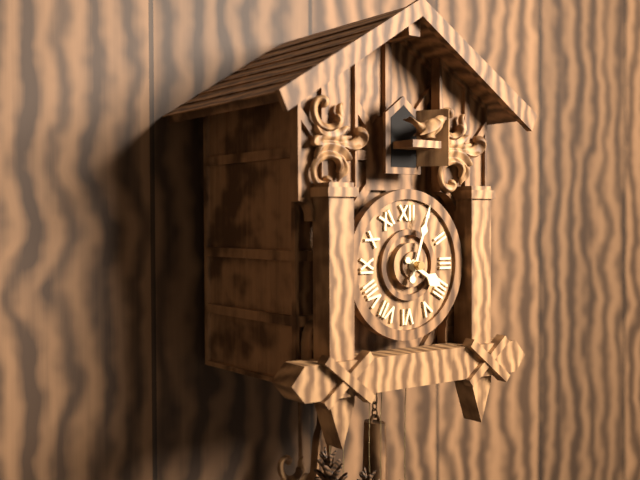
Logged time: **4:03**
